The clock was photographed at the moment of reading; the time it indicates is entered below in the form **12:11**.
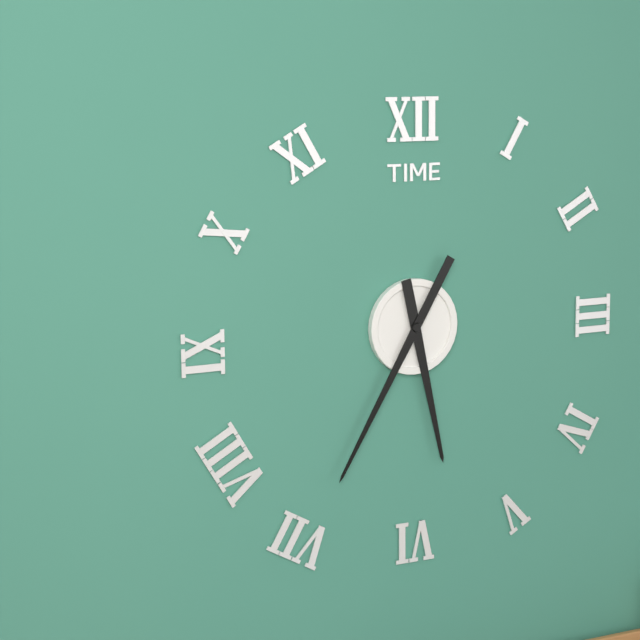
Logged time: **5:35**
